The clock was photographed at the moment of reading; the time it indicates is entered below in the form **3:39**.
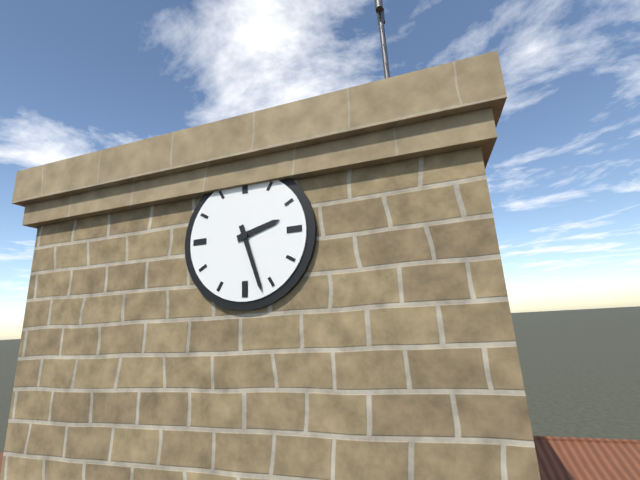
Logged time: **2:27**
